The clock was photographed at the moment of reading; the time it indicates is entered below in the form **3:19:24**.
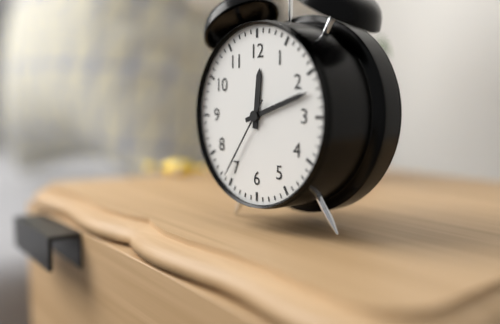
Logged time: **12:12:36**
